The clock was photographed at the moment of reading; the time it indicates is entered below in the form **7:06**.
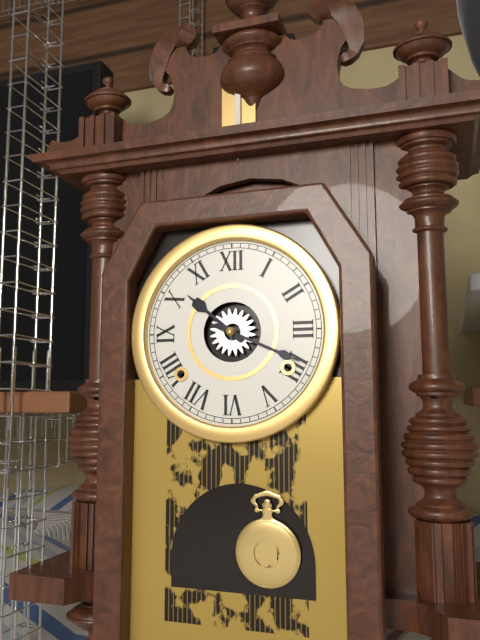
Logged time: **10:19**
